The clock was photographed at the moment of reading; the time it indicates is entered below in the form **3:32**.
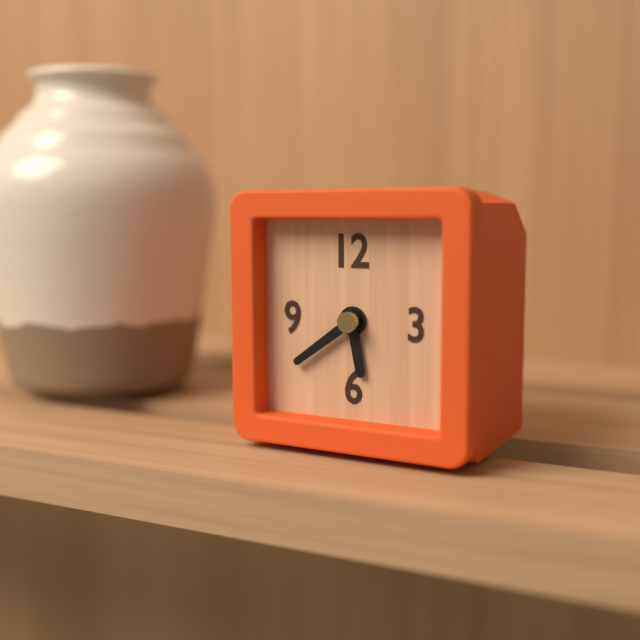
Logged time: **5:39**
